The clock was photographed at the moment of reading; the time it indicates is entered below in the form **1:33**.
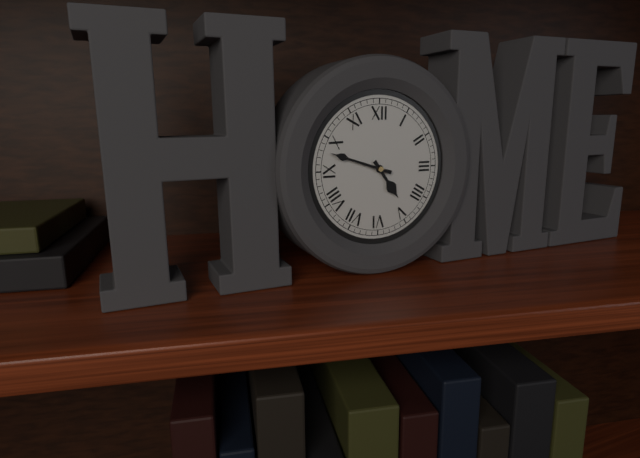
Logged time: **4:48**
